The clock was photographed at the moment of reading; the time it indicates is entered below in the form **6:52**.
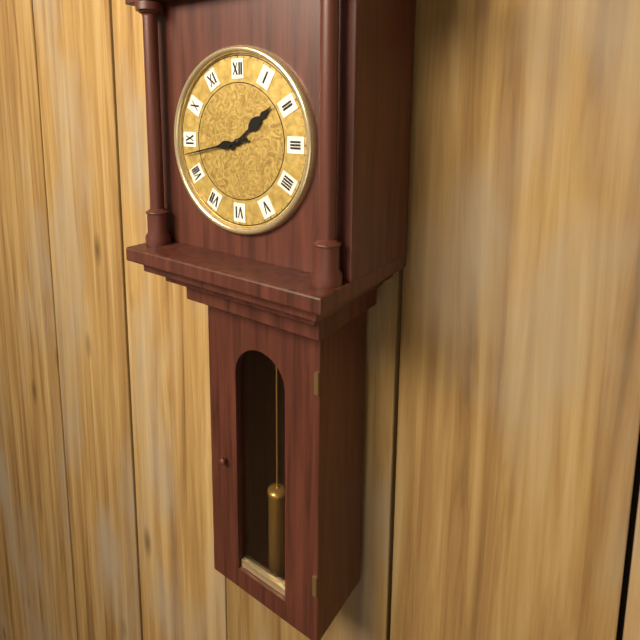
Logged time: **1:43**
